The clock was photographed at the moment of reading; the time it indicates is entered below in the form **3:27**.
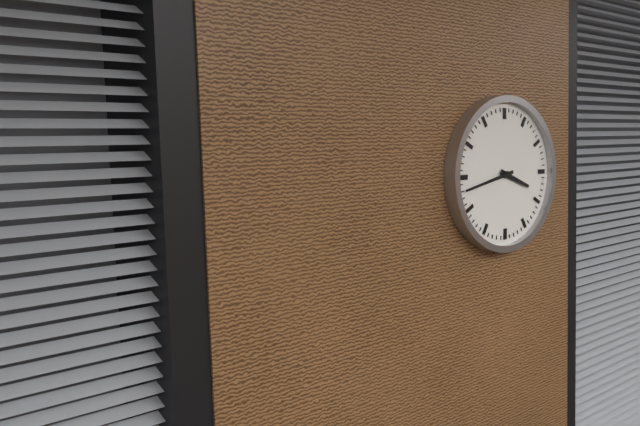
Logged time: **3:43**
